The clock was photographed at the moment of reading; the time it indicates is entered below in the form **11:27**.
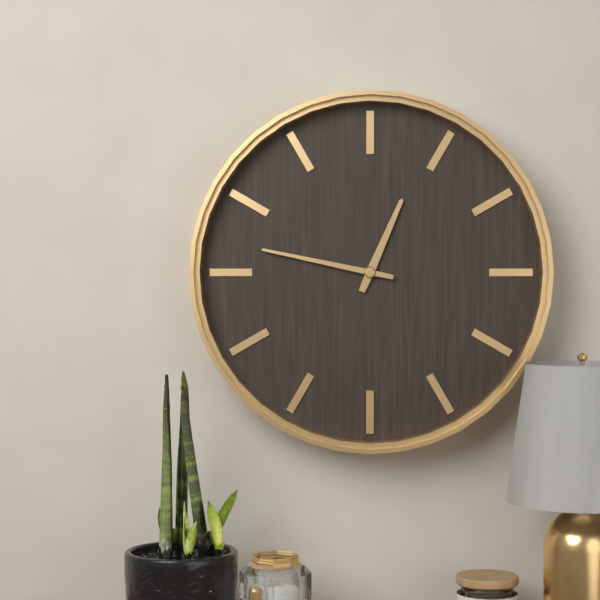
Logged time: **12:47**
